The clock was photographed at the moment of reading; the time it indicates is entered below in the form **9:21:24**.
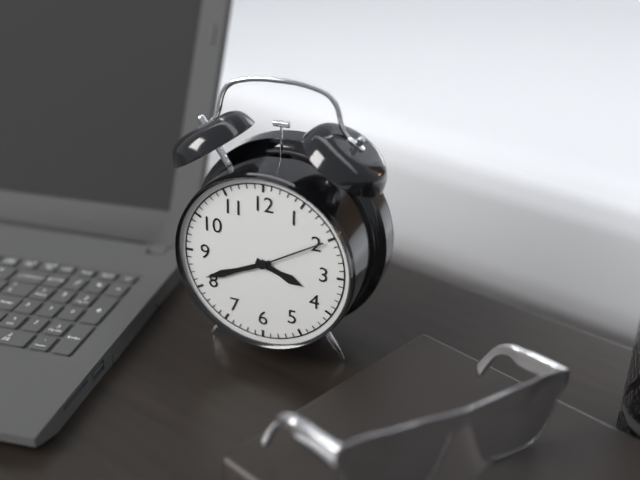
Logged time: **3:41:10**
